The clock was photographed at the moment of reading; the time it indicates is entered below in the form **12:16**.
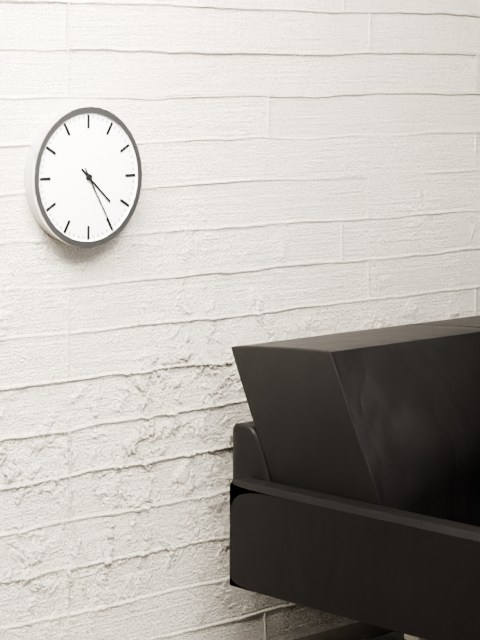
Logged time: **4:25**
